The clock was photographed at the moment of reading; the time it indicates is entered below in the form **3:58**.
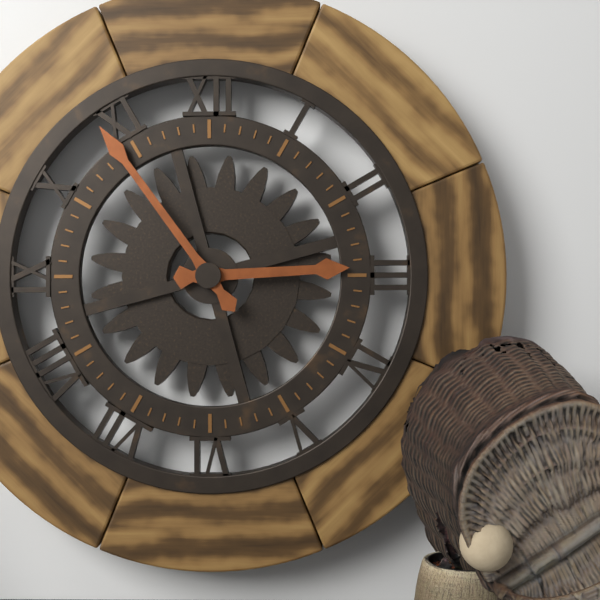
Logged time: **2:54**
